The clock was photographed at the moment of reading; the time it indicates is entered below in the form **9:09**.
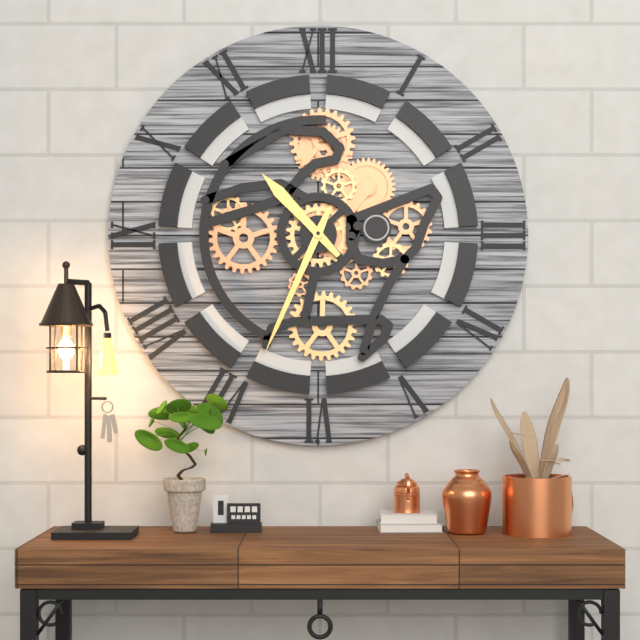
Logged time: **10:34**
